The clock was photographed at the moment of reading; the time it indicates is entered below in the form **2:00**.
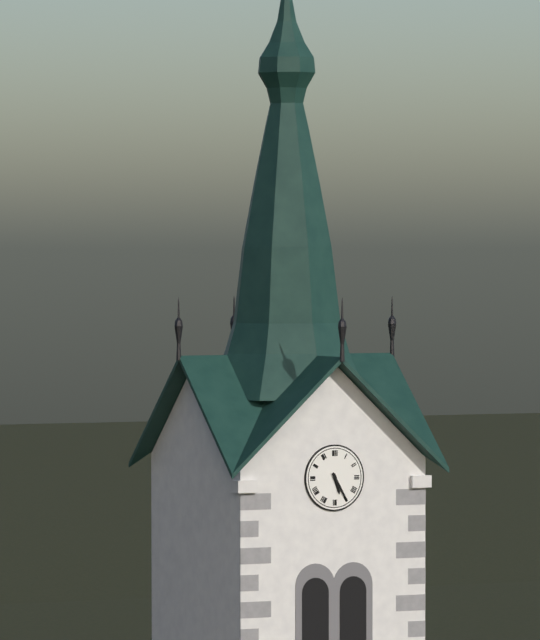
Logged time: **5:25**
